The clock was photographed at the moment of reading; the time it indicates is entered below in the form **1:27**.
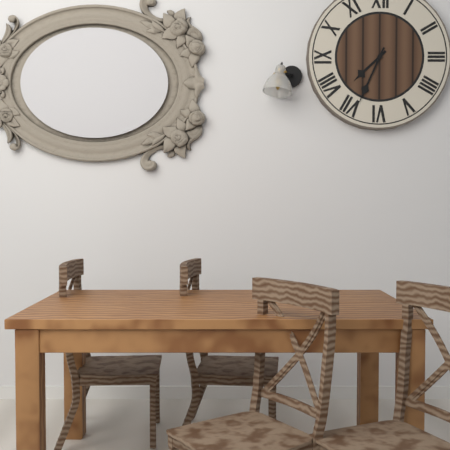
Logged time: **7:34**
